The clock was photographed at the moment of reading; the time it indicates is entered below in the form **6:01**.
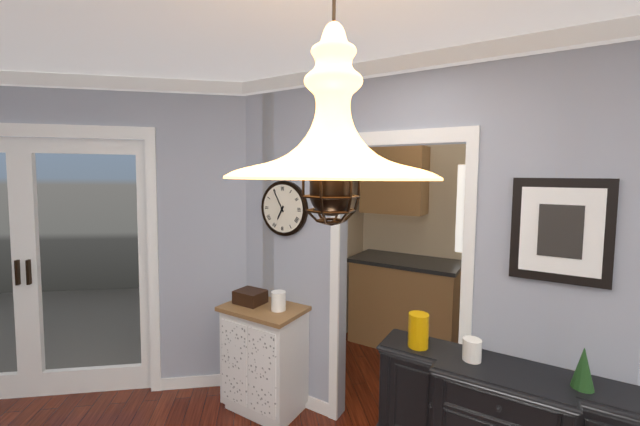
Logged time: **6:55**
